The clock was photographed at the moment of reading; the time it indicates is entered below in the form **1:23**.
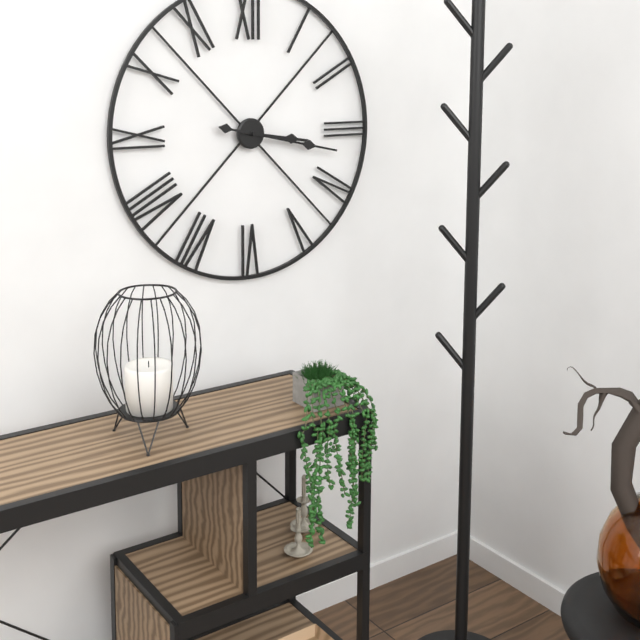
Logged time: **3:17**
